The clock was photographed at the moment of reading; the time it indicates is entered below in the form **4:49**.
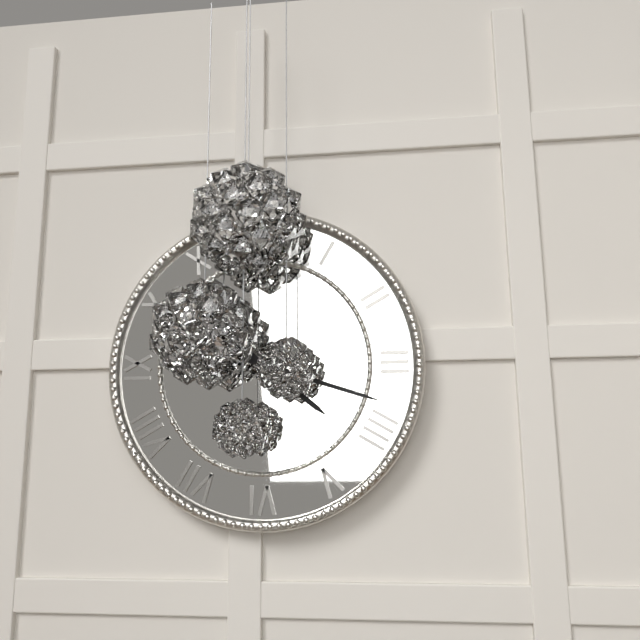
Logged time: **4:18**
